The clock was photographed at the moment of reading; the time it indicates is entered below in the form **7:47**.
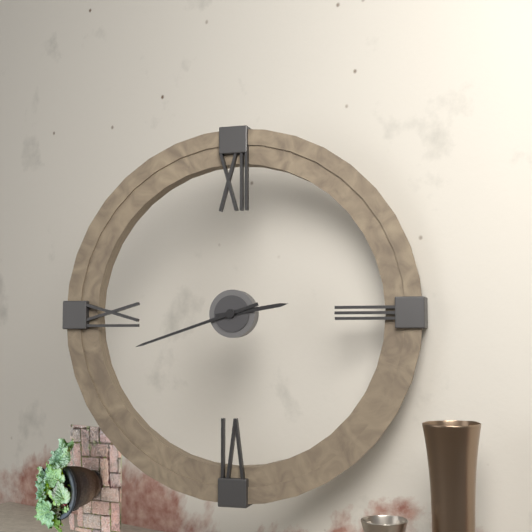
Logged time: **2:42**
